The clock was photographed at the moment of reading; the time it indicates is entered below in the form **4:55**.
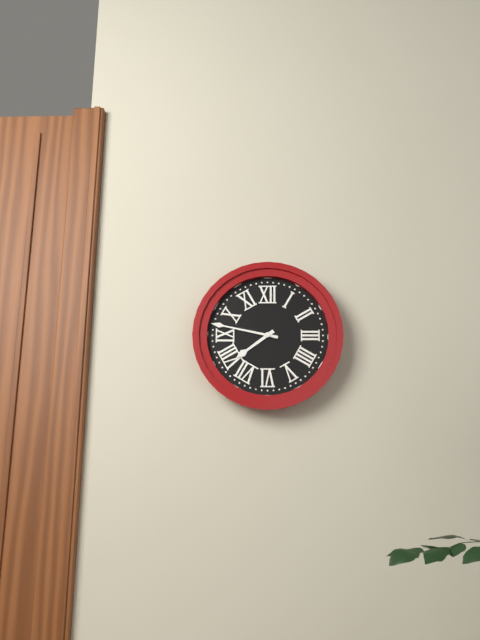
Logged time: **7:47**
